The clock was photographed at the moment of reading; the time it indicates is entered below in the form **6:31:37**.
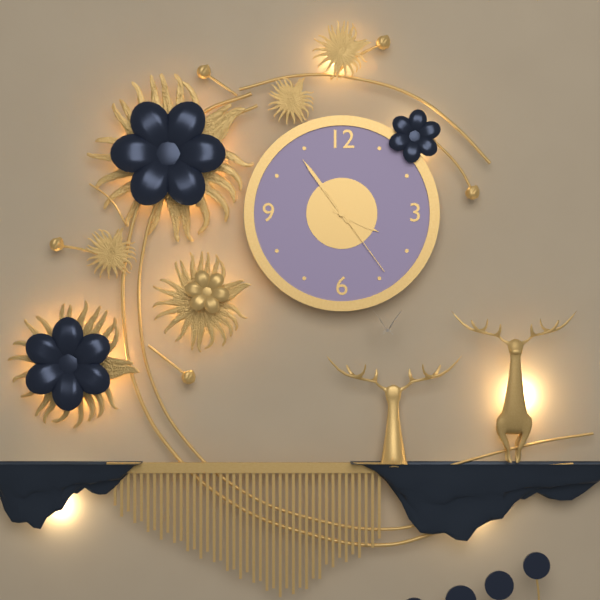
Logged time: **3:54:24**
